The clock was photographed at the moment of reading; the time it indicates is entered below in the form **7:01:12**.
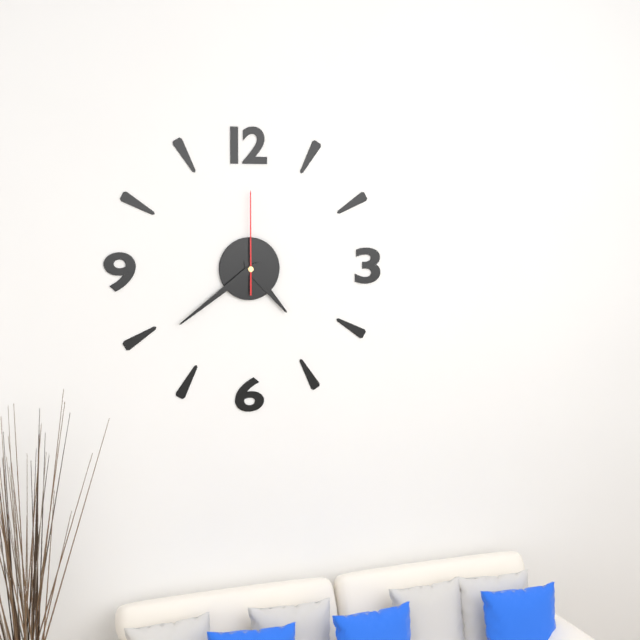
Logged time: **4:39:00**
